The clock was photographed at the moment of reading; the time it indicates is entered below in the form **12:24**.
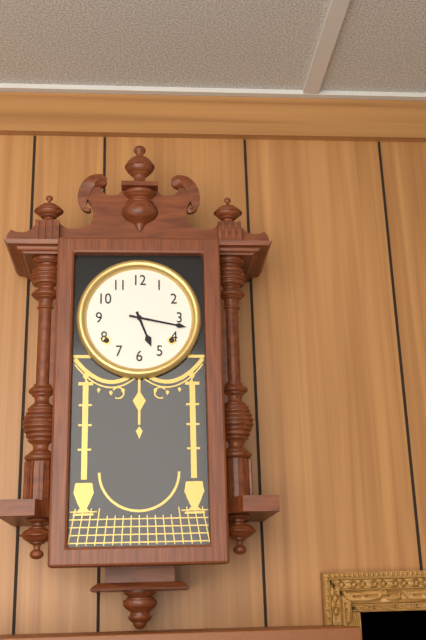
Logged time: **5:17**
